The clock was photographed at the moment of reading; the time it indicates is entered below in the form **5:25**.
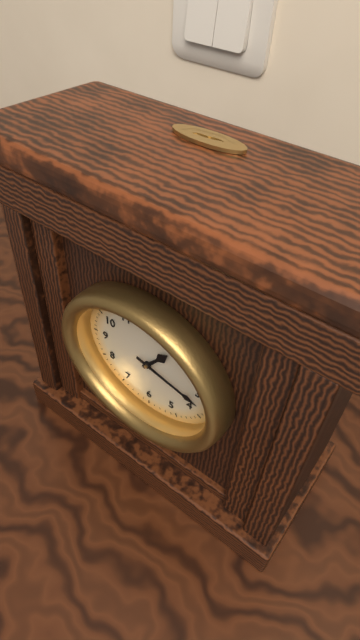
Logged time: **1:17**
